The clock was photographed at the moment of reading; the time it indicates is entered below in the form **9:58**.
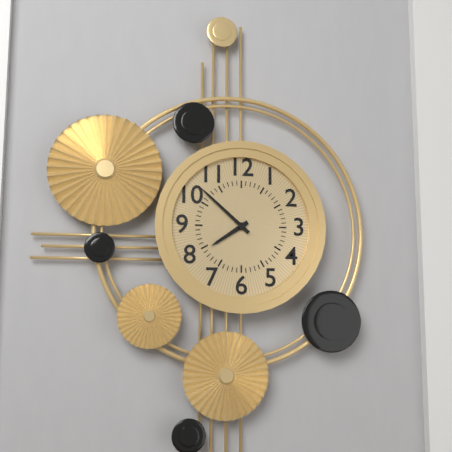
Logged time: **7:52**
